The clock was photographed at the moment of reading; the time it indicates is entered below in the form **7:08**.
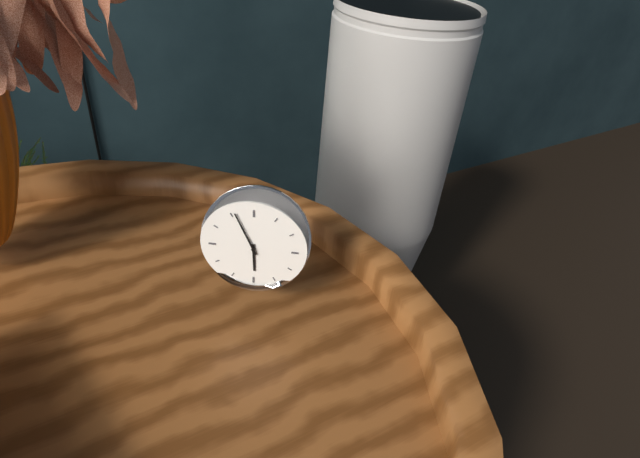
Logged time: **5:56**
